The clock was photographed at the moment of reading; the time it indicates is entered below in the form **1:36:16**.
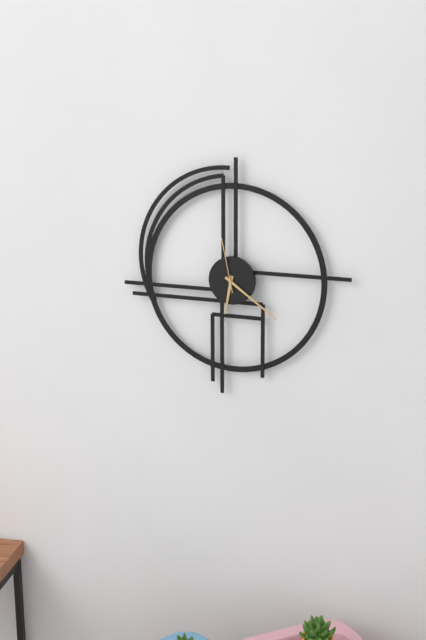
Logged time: **6:21:58**
